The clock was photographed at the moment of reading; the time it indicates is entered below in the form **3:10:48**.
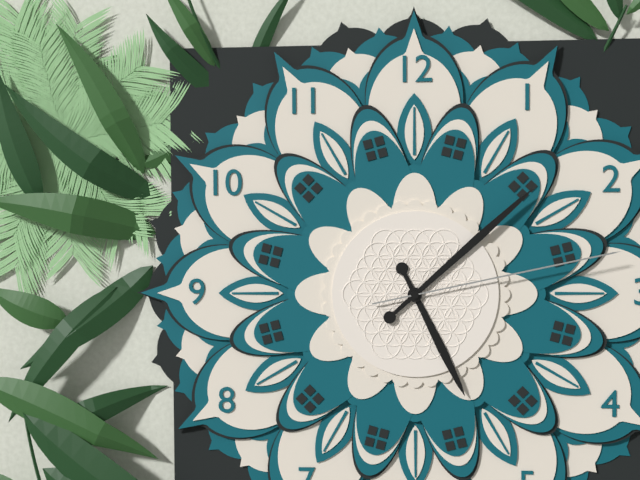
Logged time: **5:08:13**
